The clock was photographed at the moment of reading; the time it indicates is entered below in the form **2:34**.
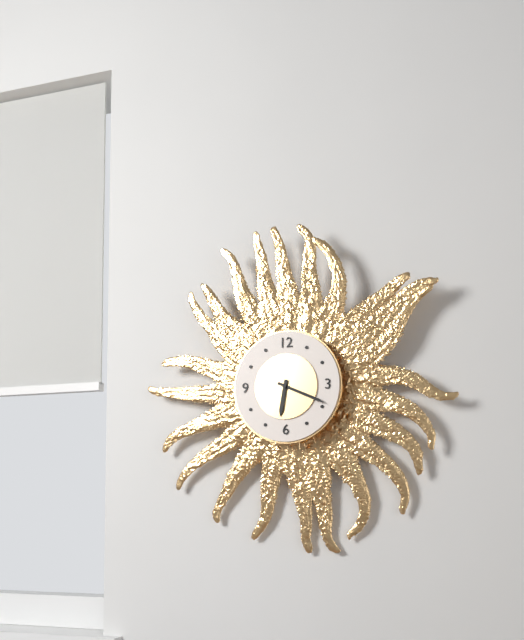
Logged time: **6:19**
